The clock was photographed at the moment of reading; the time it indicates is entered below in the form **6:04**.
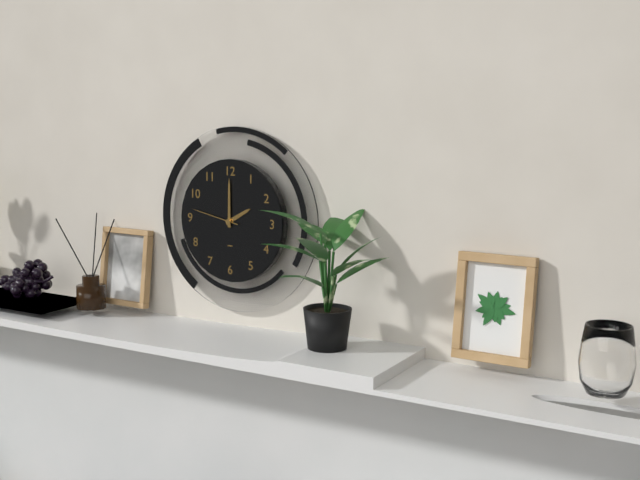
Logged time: **2:00**
